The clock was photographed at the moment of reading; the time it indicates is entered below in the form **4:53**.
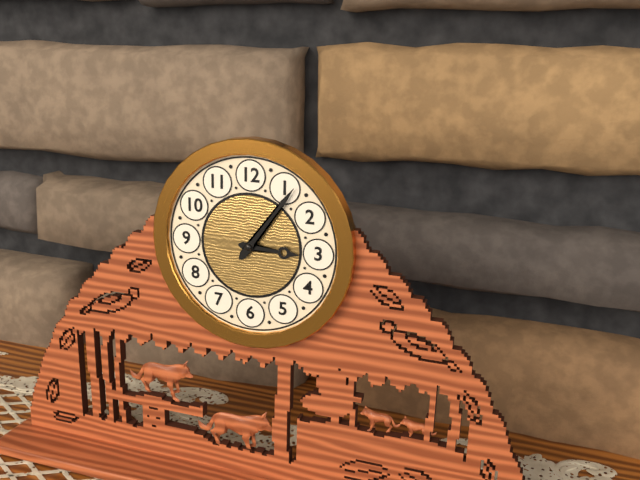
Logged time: **3:06**
